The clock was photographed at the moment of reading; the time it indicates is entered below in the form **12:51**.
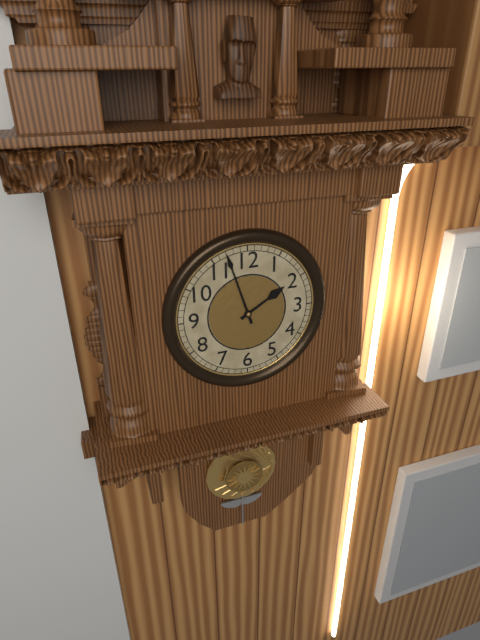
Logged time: **1:57**
